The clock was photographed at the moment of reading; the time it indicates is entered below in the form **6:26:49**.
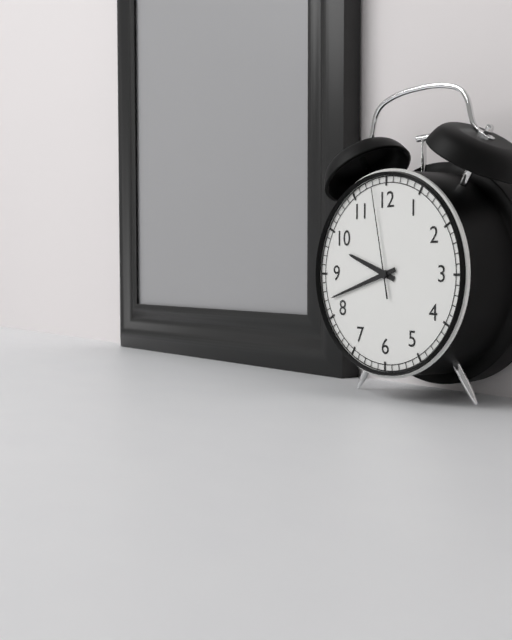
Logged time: **9:42:58**
